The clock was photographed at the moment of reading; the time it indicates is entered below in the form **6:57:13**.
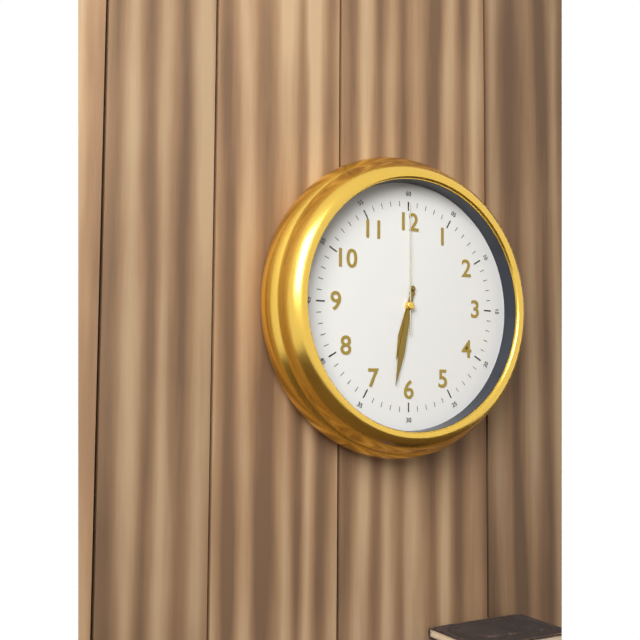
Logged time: **6:32:00**
